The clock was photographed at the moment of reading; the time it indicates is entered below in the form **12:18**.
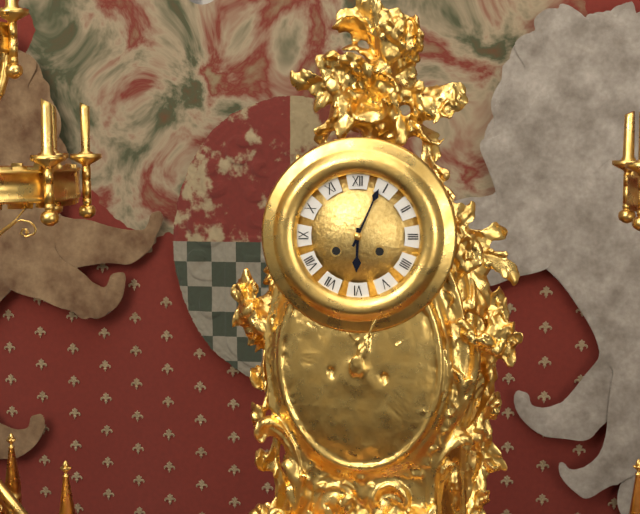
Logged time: **6:04**
